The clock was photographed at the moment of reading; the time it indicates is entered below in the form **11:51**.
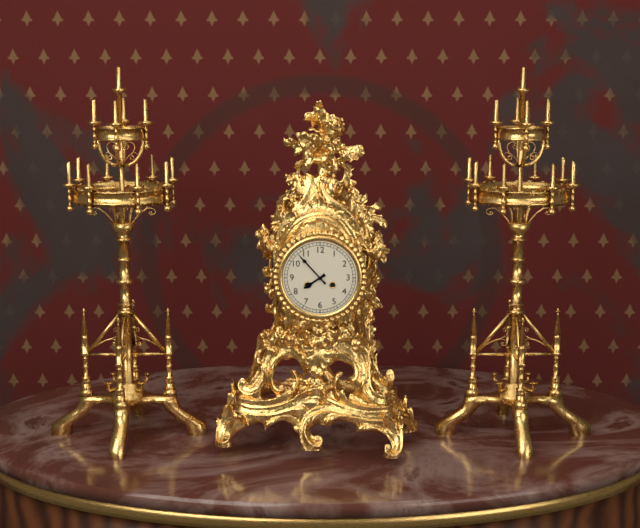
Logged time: **7:53**
